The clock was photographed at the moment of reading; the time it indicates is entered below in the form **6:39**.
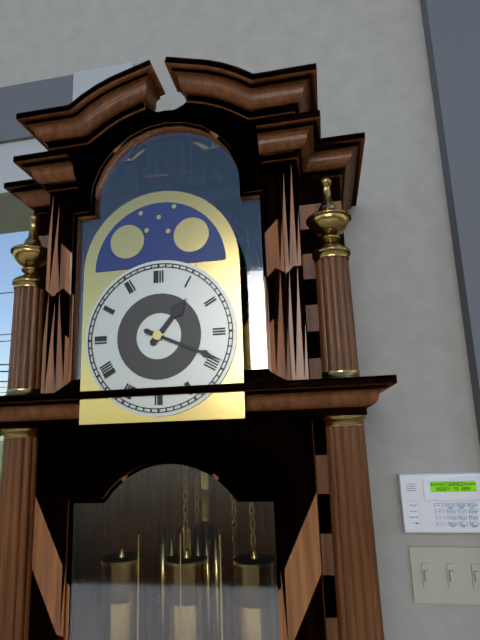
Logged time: **1:19**
